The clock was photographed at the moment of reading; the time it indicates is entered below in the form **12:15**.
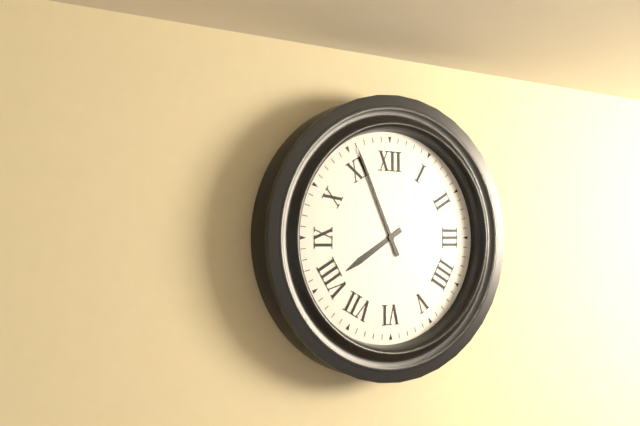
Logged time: **7:56**
